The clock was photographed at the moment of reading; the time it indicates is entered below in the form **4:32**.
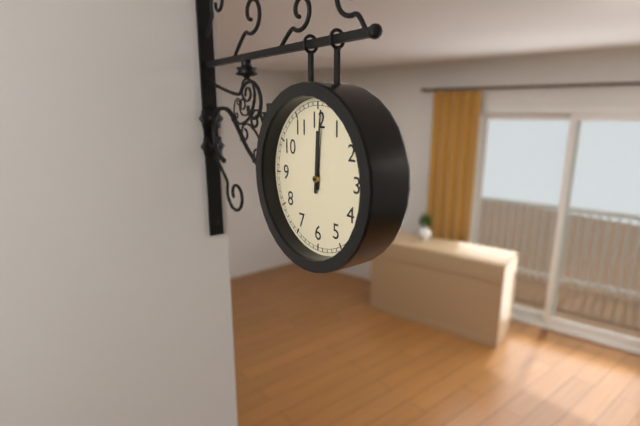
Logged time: **12:01**
